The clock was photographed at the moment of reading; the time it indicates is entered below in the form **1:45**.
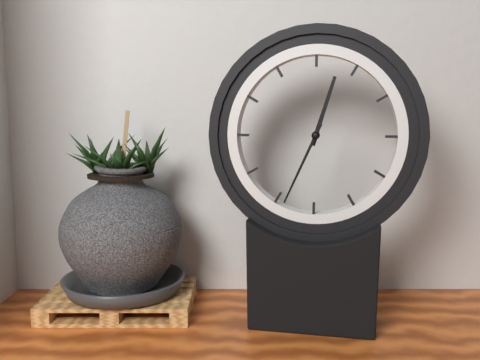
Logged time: **12:34**
